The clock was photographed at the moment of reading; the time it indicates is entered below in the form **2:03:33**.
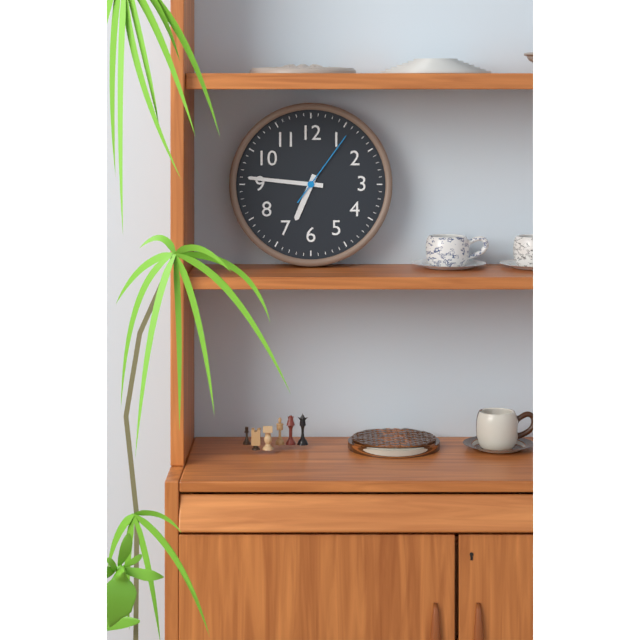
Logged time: **6:46:06**
